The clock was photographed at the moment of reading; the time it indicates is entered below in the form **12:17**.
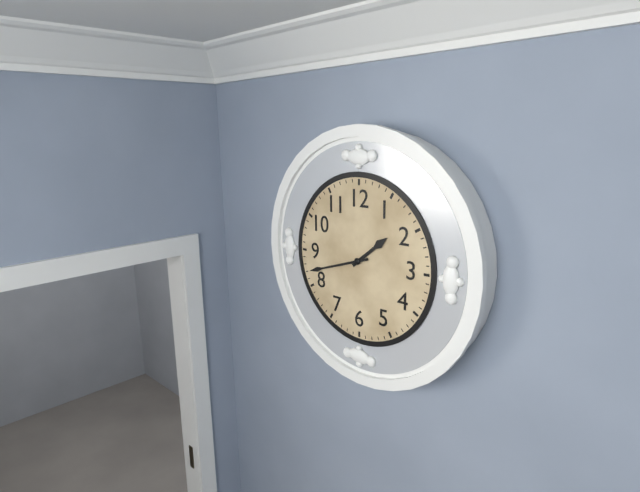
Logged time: **1:42**
